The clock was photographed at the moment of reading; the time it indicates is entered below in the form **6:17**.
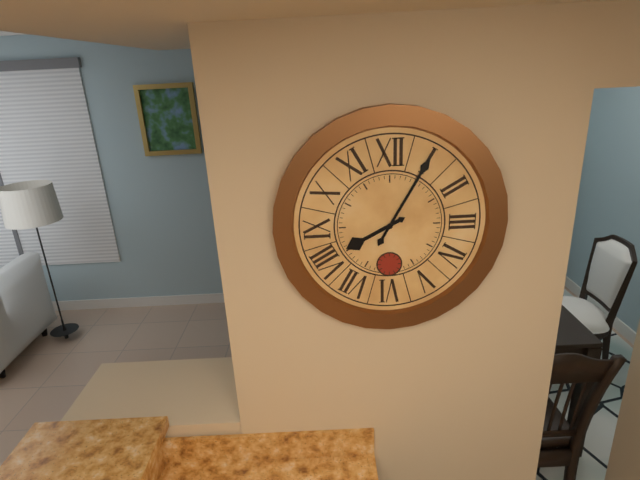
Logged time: **8:05**
